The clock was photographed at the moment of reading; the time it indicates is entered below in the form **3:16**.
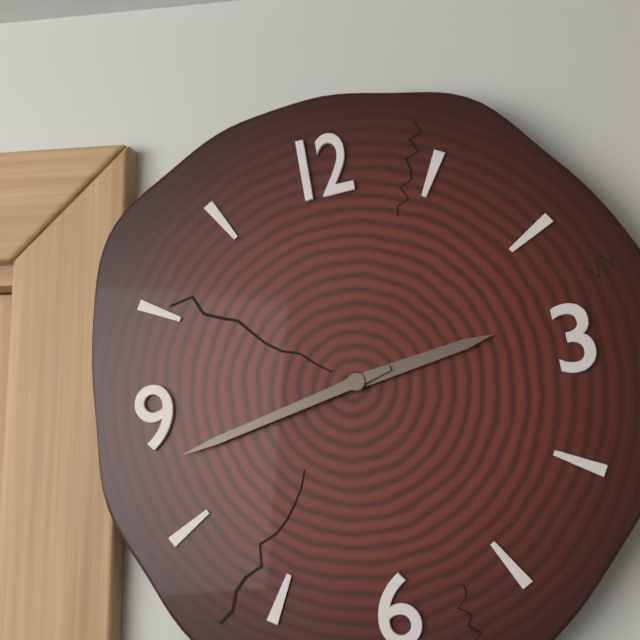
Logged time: **2:43**
